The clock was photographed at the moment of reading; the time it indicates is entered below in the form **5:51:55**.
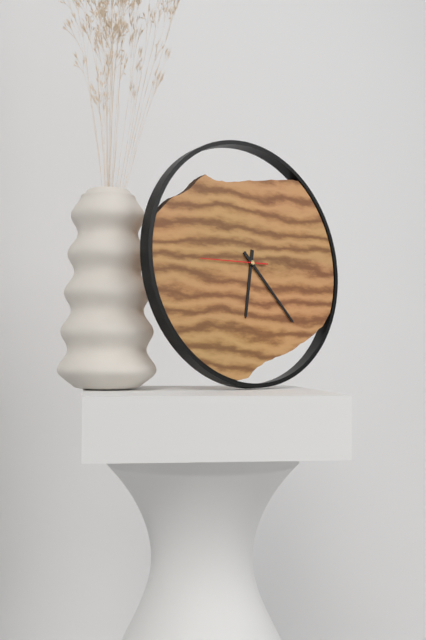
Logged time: **6:23:45**
